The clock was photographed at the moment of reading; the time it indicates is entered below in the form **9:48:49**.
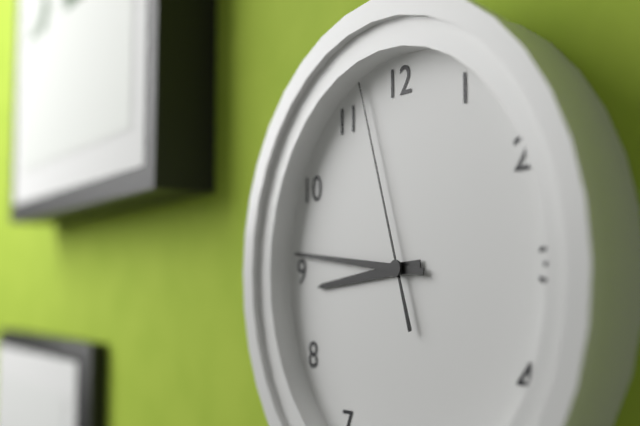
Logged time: **8:46:57**
